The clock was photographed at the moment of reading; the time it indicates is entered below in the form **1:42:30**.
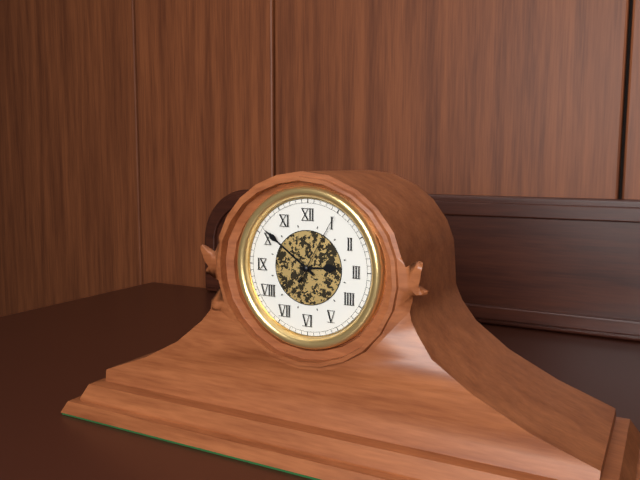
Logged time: **2:51:05**
